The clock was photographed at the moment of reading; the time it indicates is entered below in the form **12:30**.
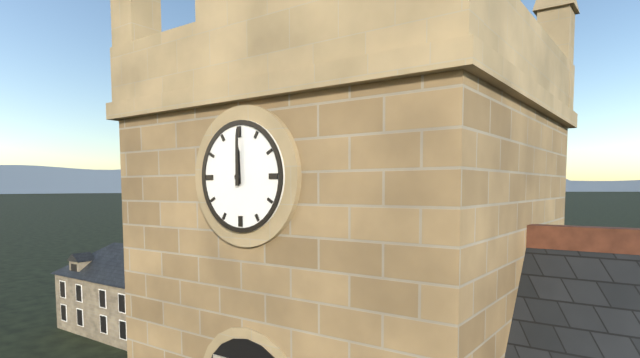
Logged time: **12:00**
